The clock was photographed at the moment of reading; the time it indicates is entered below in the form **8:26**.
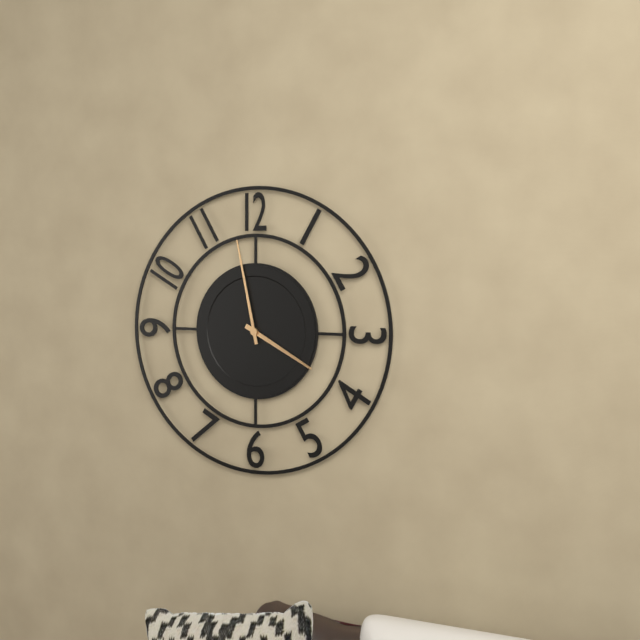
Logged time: **3:58**
